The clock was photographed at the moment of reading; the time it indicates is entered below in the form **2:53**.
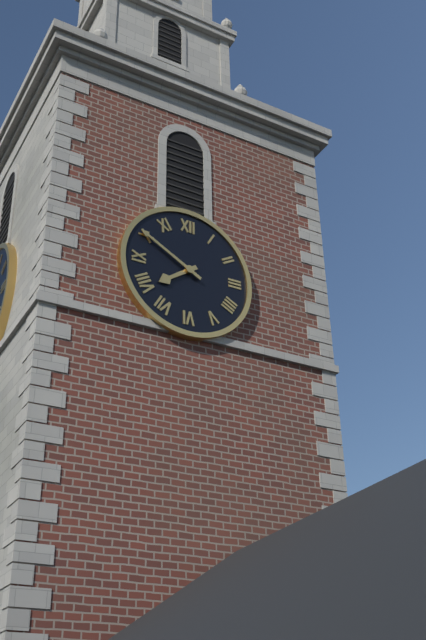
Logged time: **7:50**
